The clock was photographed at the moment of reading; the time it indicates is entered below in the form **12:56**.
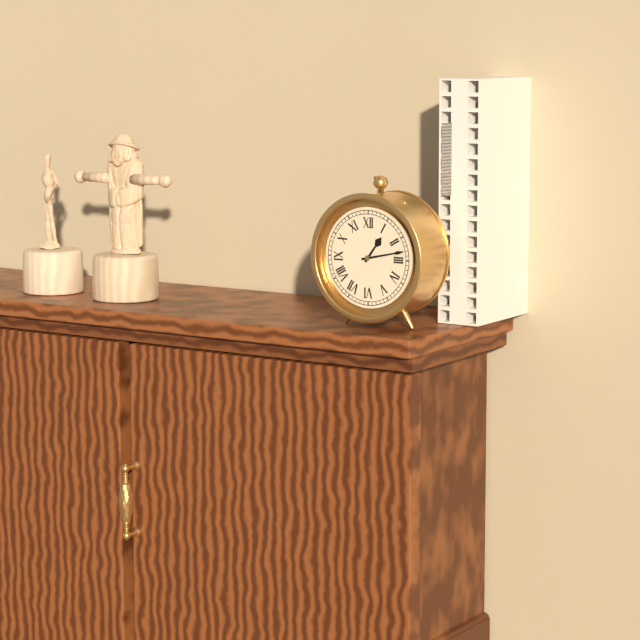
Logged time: **1:13**
